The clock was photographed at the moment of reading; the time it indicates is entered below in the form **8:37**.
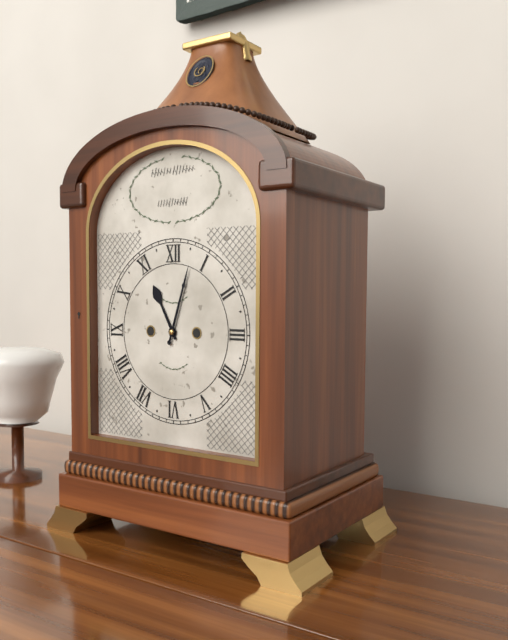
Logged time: **11:03**
